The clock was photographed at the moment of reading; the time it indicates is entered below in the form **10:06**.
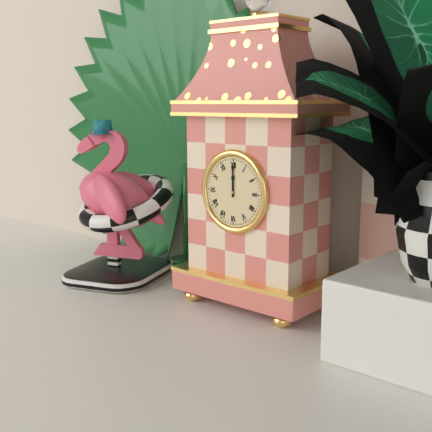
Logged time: **12:00**
